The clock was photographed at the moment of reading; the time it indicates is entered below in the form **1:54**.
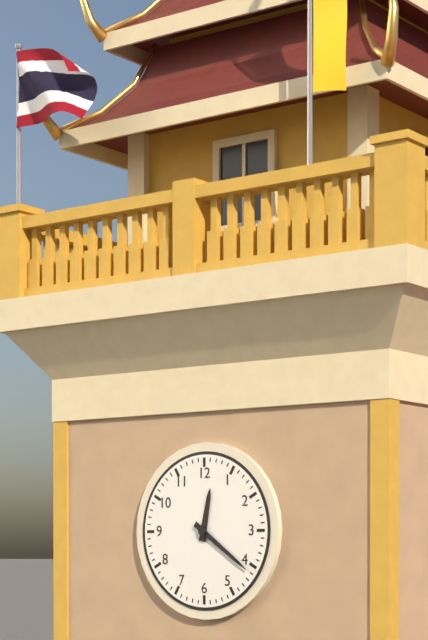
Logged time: **12:21**
